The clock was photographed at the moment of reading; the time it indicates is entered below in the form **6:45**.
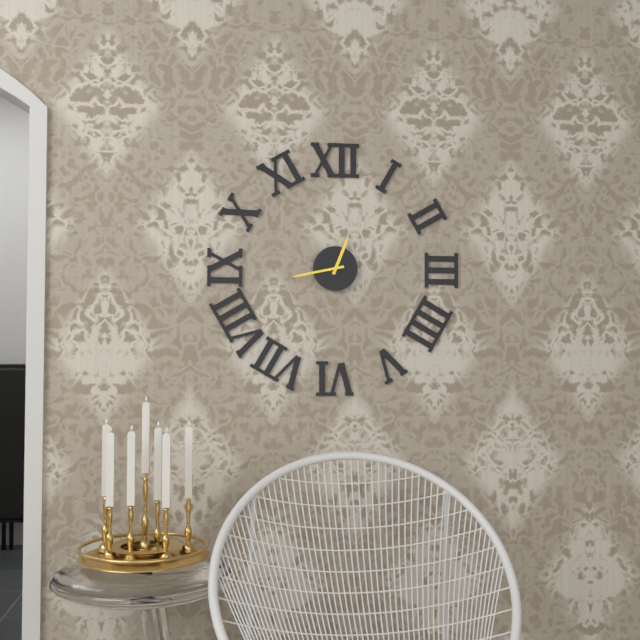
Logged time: **12:43**
